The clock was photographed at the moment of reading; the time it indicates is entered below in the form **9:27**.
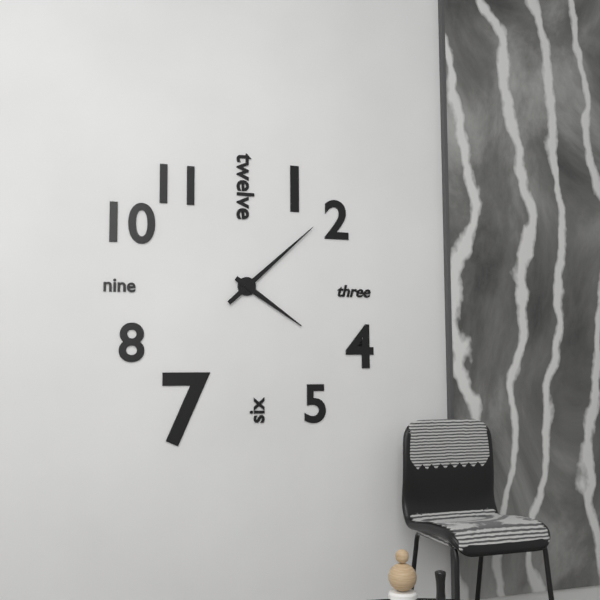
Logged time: **4:08**
